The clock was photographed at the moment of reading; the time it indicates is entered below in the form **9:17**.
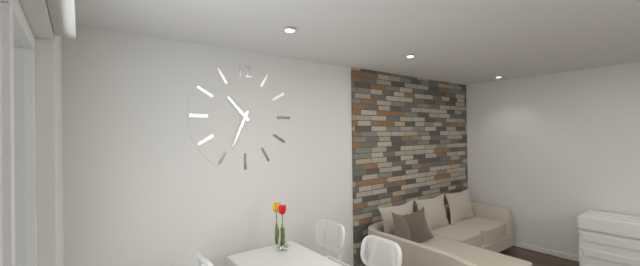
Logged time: **10:34**
